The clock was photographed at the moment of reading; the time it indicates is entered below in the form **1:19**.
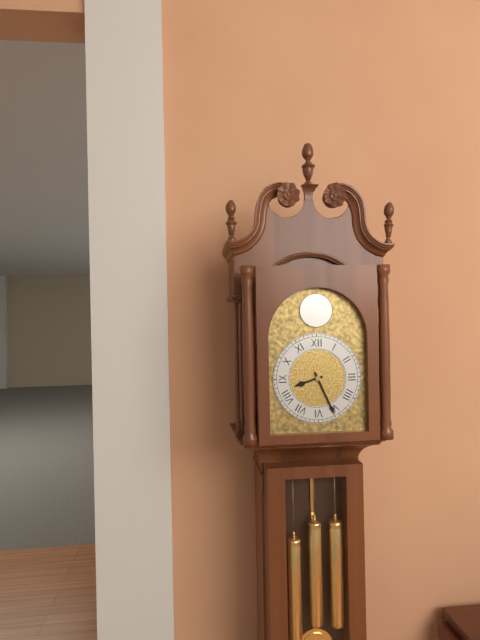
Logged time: **8:26**
